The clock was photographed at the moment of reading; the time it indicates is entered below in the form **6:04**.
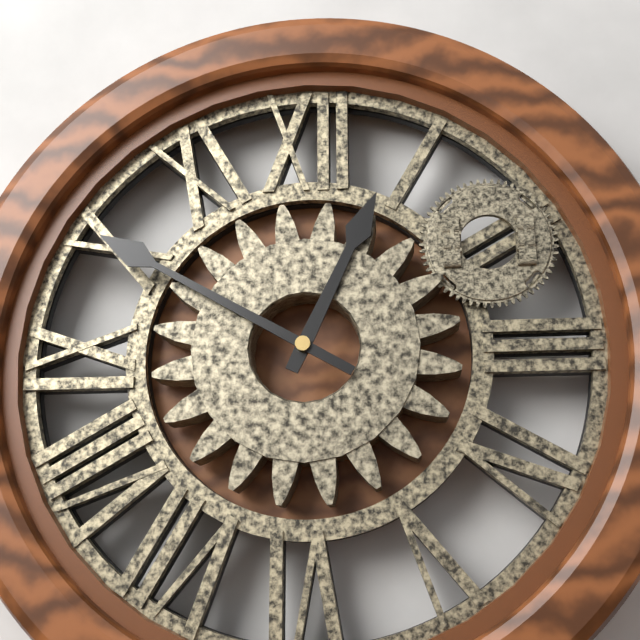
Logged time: **12:50**
